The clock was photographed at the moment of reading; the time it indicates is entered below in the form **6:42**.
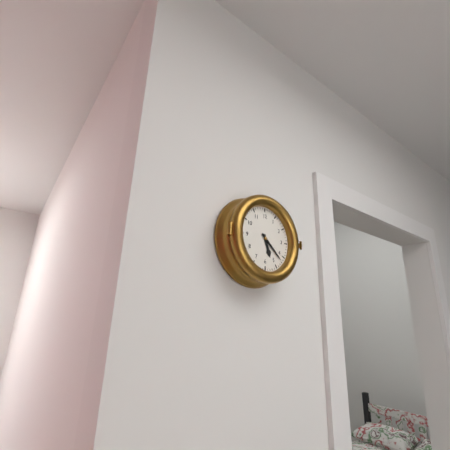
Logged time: **5:22**
